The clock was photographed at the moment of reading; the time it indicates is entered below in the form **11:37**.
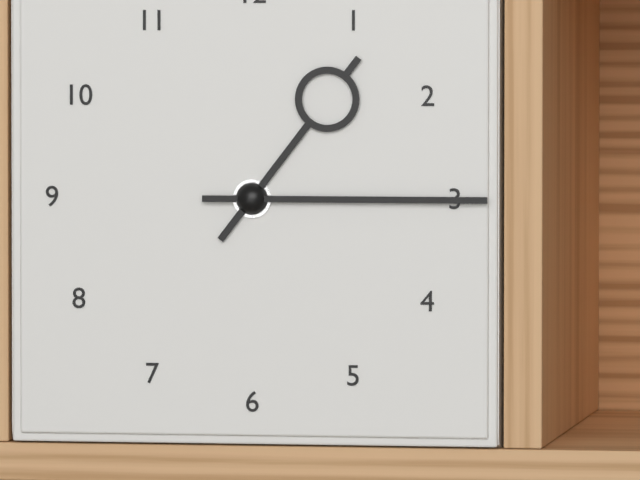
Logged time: **1:15**
